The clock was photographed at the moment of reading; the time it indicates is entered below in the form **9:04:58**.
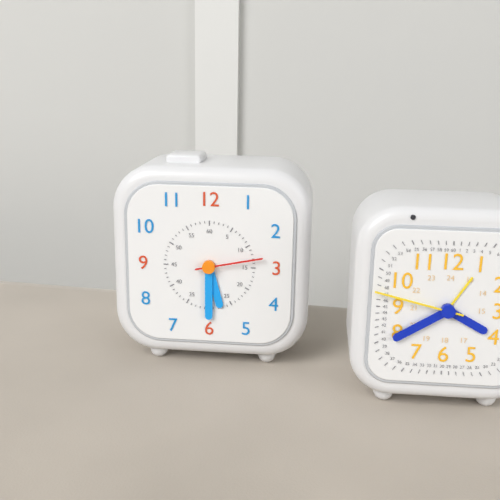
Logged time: **5:30:13**
